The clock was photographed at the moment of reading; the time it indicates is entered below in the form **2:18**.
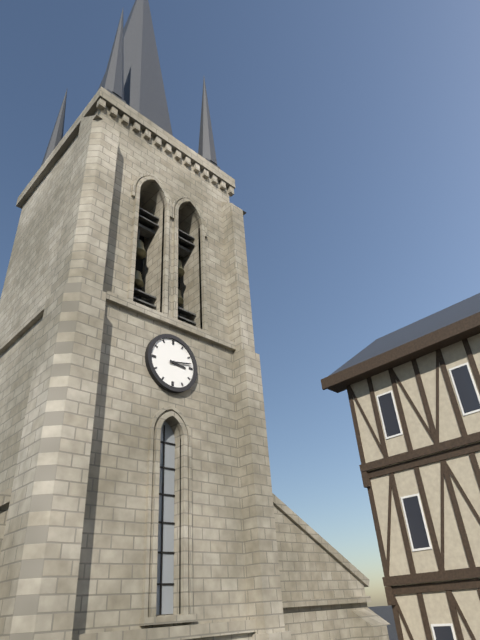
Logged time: **3:13**
